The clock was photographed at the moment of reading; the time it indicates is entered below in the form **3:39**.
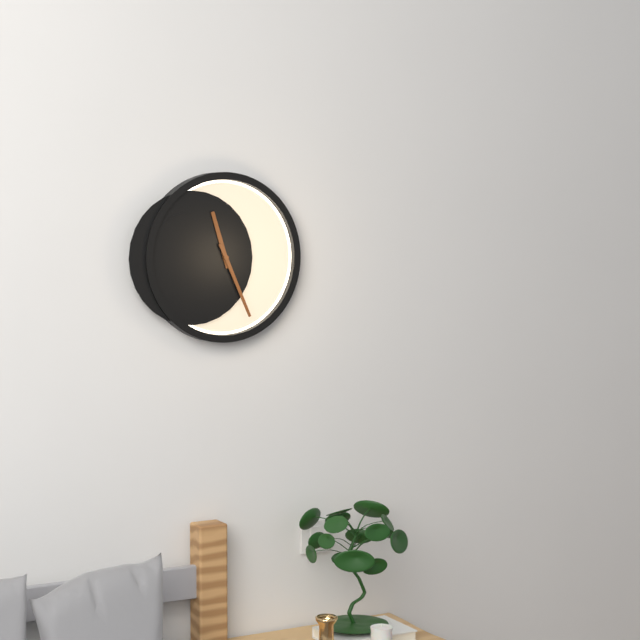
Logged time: **11:26**
